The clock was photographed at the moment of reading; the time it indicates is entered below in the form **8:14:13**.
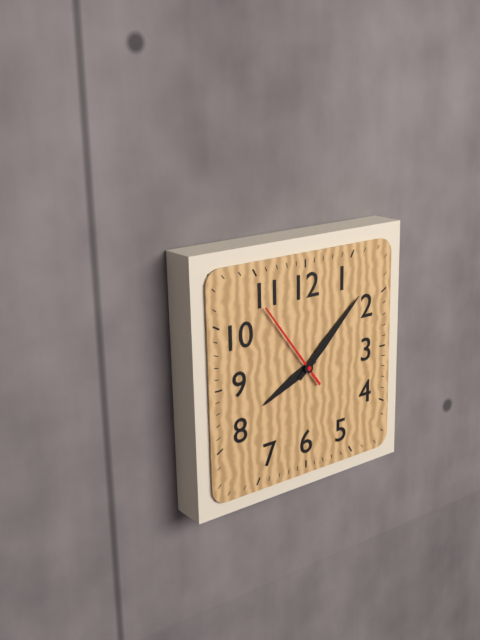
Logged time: **8:08:54**
